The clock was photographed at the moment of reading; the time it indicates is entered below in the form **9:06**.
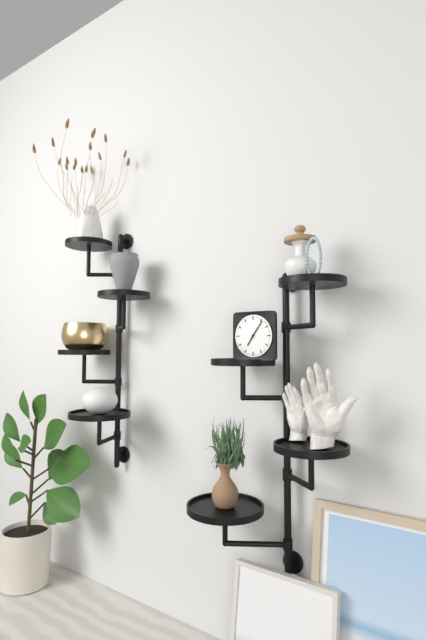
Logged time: **7:06**
